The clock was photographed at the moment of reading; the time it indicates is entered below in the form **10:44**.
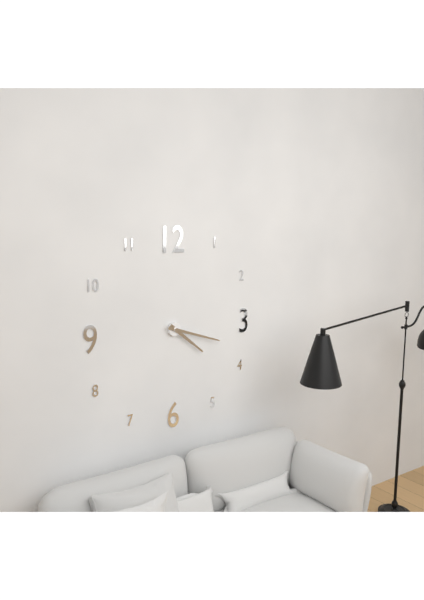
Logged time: **4:18**
